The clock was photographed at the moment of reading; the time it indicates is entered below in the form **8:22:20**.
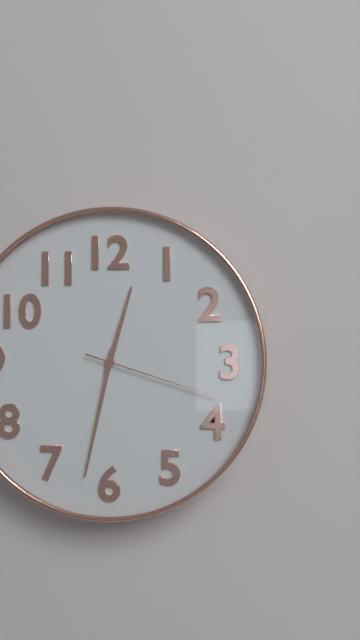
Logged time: **12:32:18**
